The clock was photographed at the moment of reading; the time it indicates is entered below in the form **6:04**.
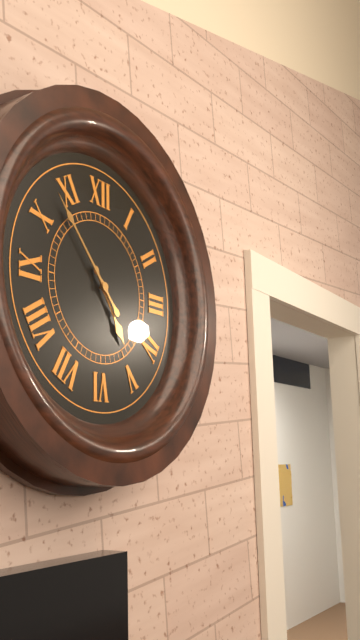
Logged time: **4:53**
